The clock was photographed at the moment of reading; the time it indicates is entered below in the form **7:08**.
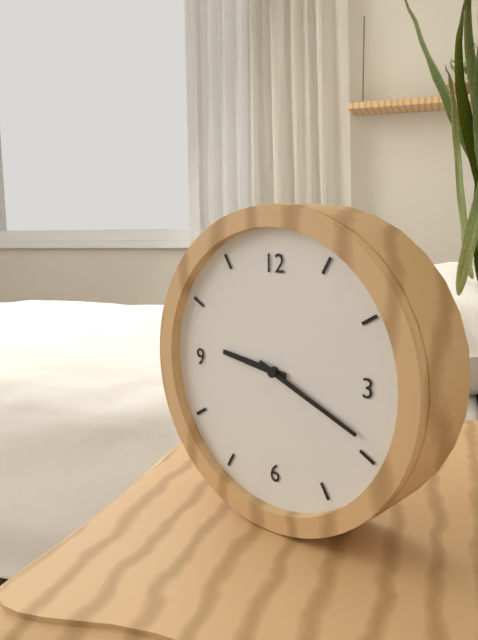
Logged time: **9:19**
